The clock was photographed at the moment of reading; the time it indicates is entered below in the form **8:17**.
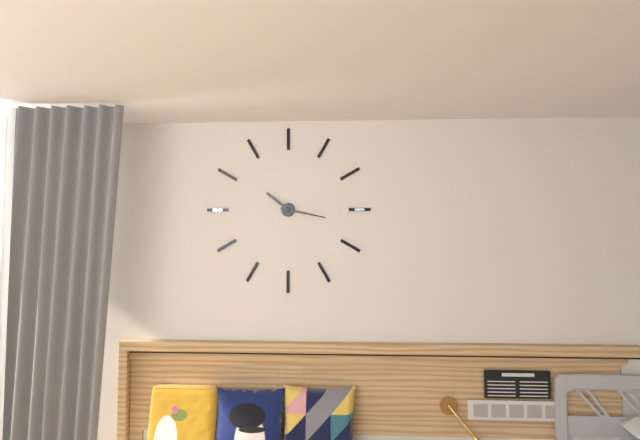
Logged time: **10:17**
